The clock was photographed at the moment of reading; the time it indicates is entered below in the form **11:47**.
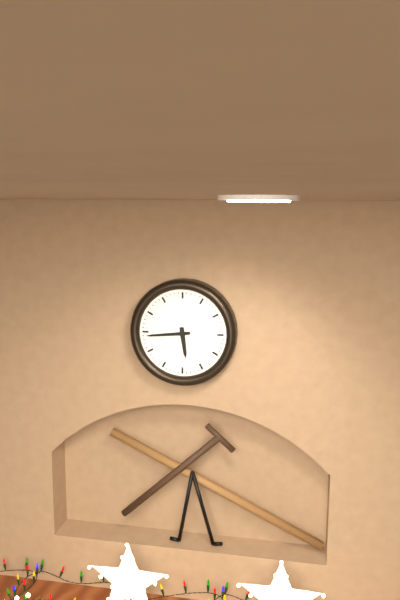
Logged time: **5:44**
